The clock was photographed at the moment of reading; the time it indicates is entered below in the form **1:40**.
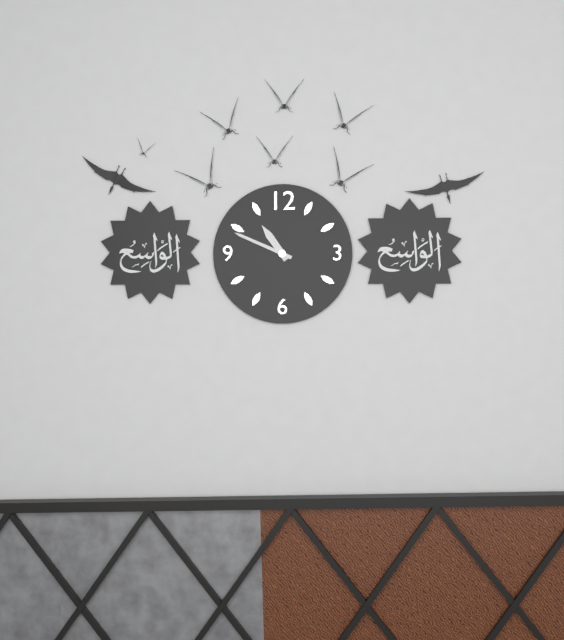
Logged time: **10:49**
